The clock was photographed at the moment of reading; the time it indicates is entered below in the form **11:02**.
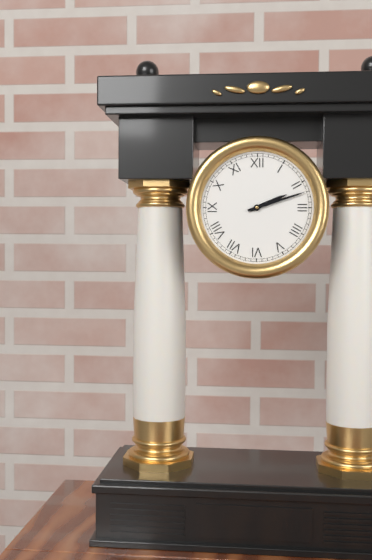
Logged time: **2:12**
